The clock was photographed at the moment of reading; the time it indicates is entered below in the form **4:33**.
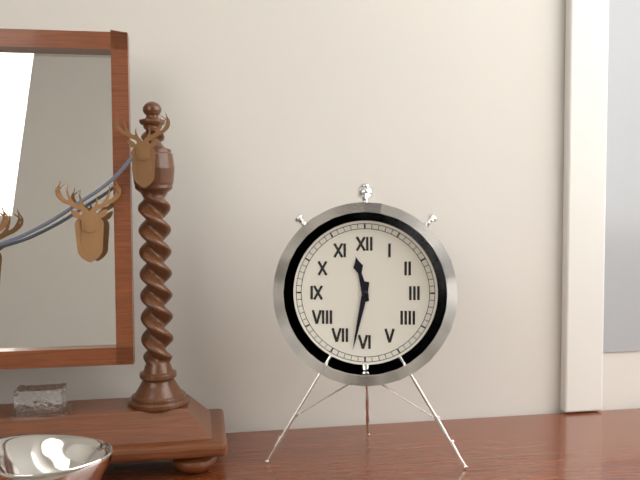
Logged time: **11:32**
